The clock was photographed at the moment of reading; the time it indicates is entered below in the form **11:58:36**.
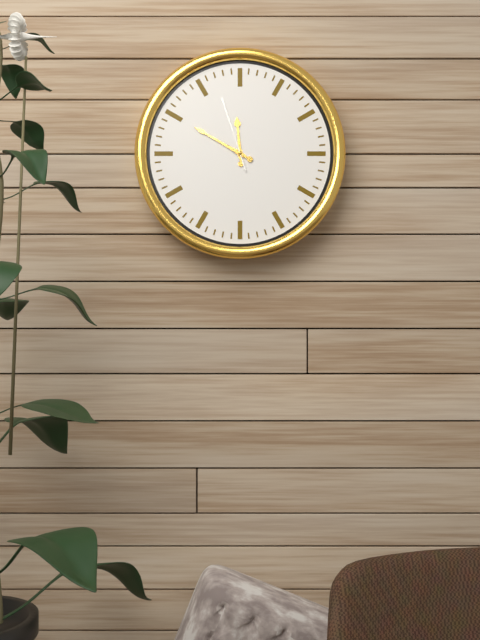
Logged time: **11:50:57**
